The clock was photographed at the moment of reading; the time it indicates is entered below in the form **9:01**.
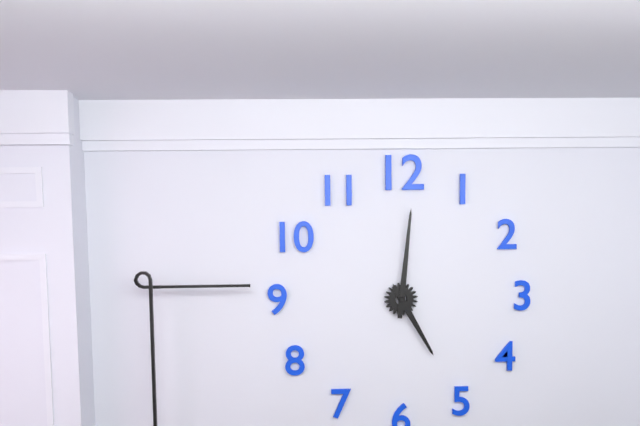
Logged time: **5:01**
